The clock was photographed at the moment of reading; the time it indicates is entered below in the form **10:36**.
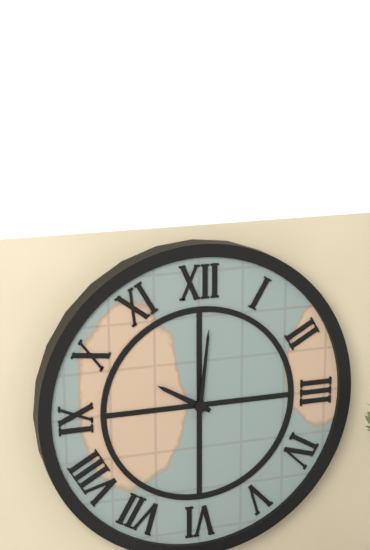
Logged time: **10:01**
